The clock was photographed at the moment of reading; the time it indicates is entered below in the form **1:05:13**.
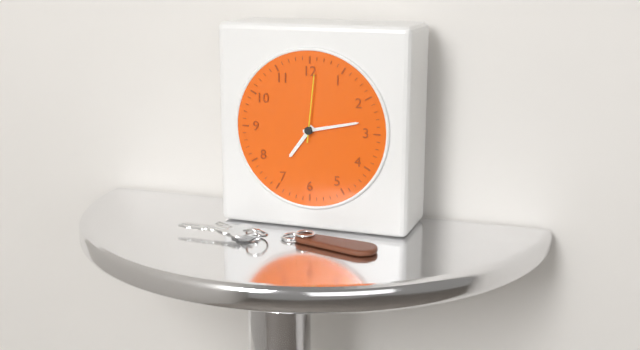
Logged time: **7:13:01**
